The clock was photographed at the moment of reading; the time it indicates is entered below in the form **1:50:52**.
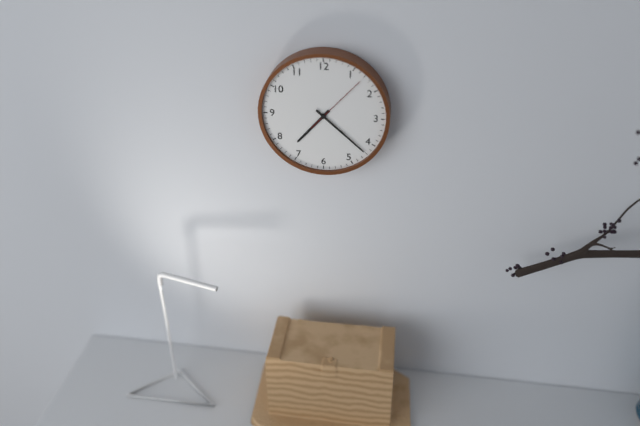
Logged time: **7:22:07**
